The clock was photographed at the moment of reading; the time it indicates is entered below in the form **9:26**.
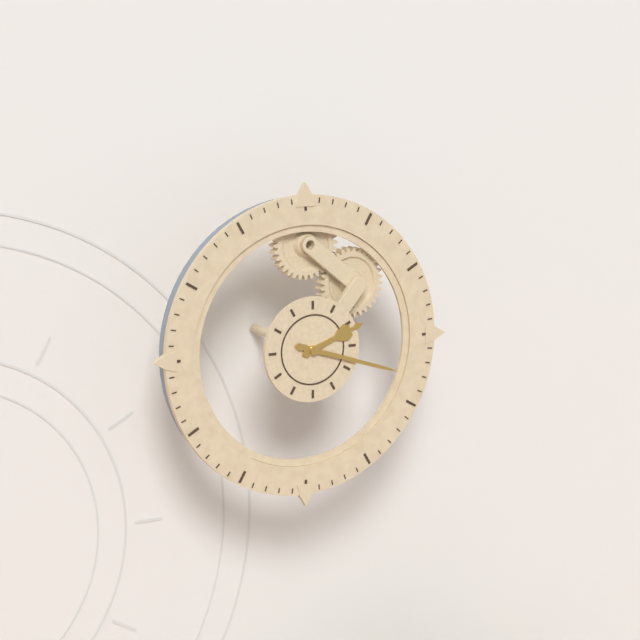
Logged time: **2:18**
